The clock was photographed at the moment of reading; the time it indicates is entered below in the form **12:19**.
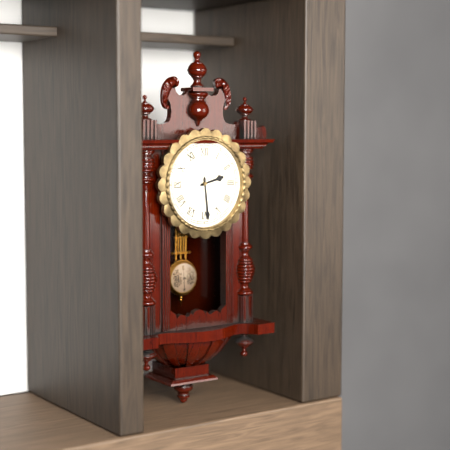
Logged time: **2:29**
